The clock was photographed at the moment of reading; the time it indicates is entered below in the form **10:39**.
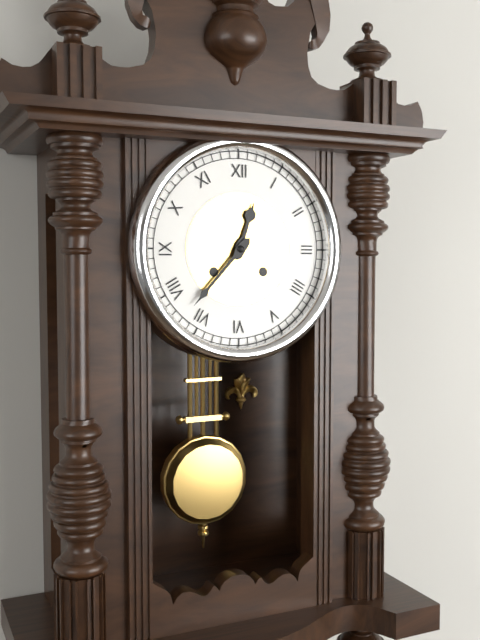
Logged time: **12:37**
